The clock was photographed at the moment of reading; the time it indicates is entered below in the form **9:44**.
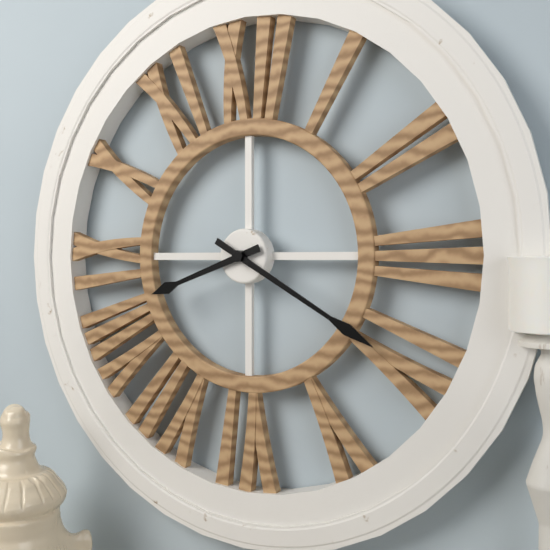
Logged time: **8:20**
